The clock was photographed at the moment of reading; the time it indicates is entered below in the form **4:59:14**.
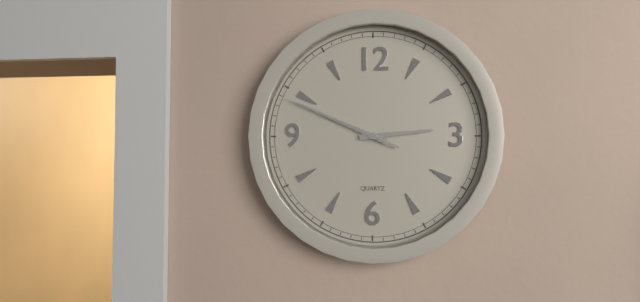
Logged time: **2:49:49**
